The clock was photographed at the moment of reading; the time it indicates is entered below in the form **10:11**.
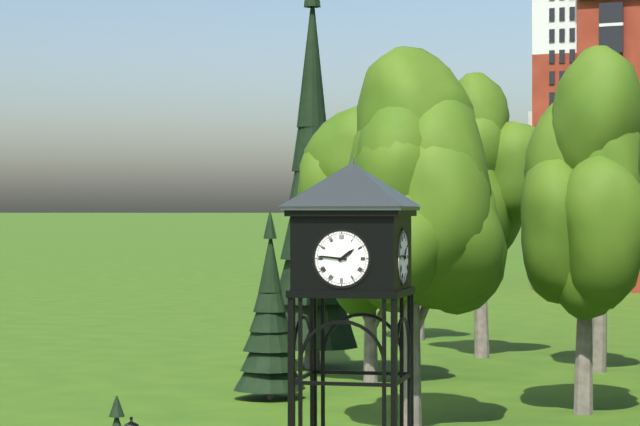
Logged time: **1:46**
